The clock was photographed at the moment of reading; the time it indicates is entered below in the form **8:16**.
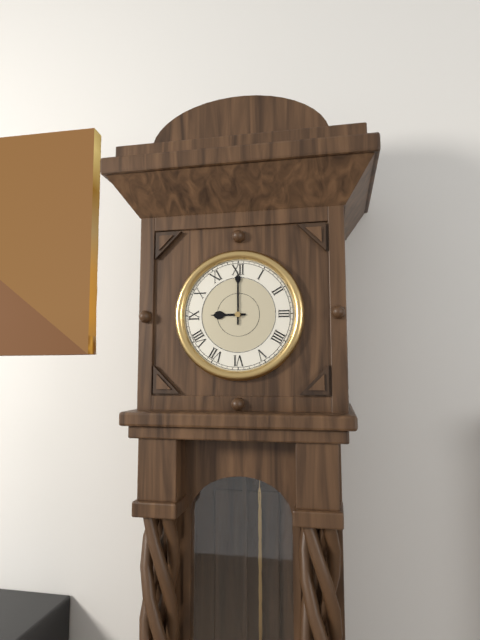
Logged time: **9:00**
